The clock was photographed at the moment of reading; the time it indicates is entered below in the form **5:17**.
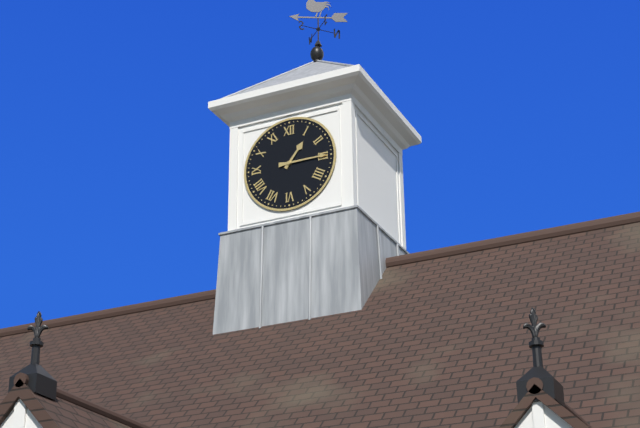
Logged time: **1:15**
